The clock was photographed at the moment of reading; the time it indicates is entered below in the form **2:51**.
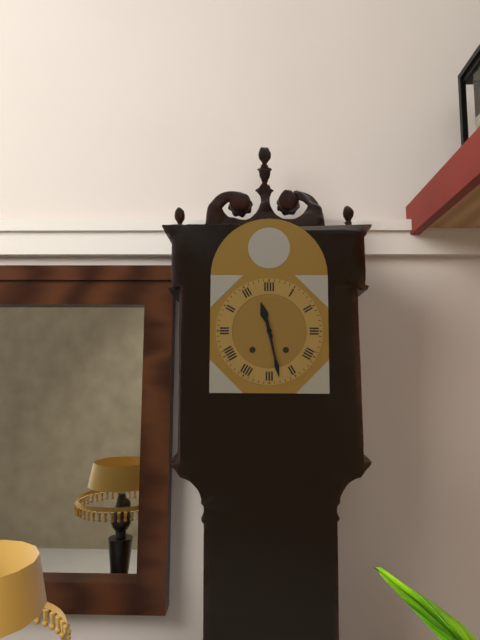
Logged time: **11:28**
